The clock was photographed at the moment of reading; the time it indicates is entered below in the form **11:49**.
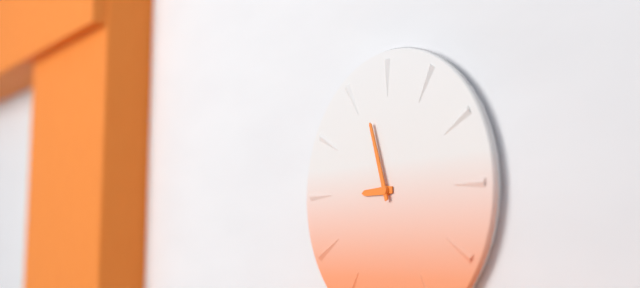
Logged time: **8:57**
